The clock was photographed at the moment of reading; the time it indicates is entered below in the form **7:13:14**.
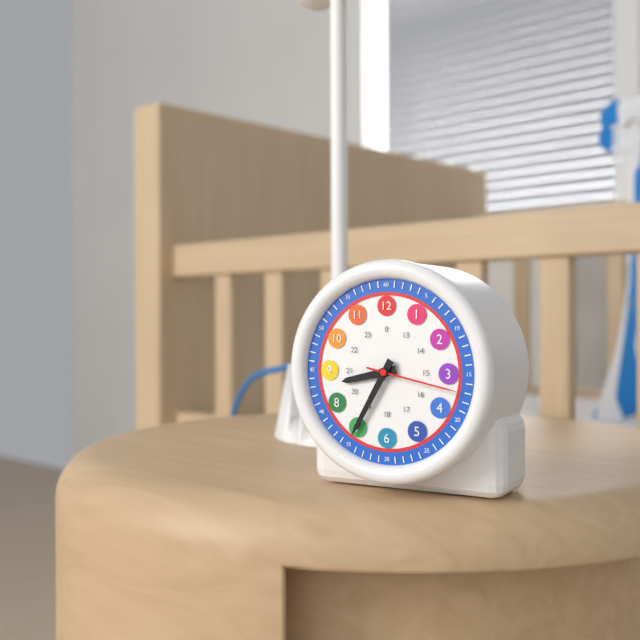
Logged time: **8:35:17**
